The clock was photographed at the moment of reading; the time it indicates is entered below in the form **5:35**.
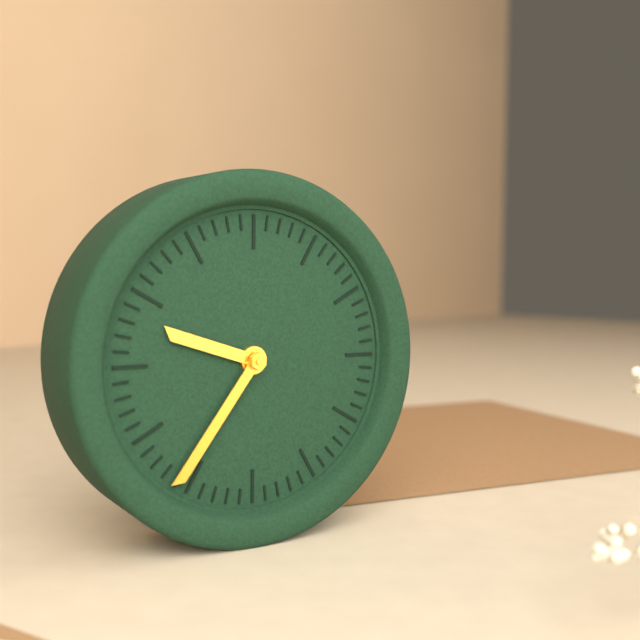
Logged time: **9:36**
